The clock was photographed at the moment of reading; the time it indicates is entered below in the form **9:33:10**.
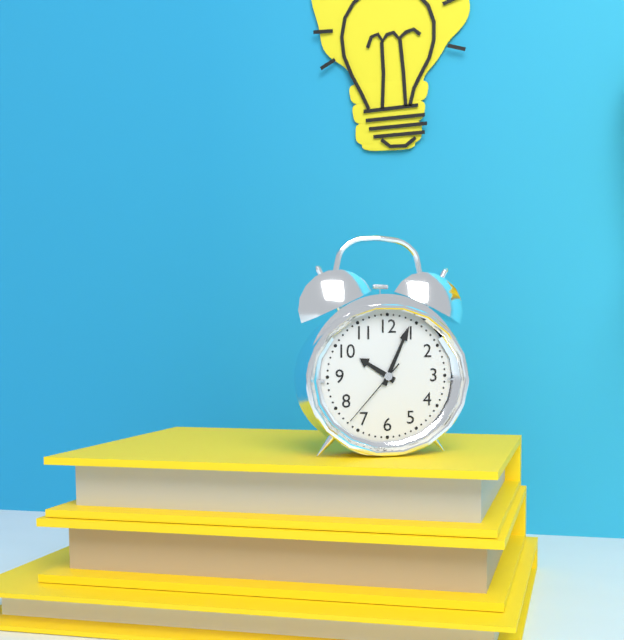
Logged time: **10:04:37**
